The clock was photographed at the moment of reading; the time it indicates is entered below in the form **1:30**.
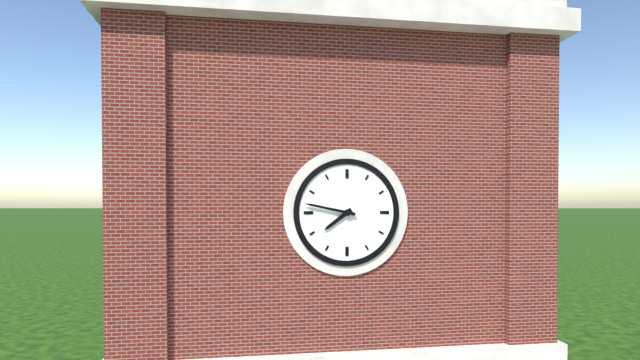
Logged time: **7:47**
